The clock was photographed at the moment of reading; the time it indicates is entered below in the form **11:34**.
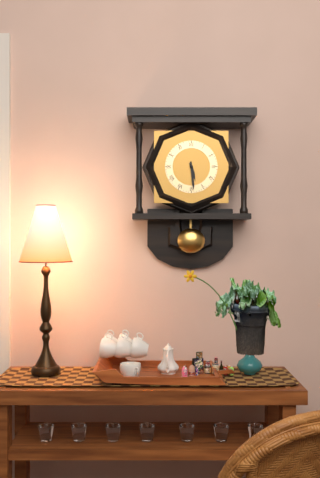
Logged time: **5:29**
